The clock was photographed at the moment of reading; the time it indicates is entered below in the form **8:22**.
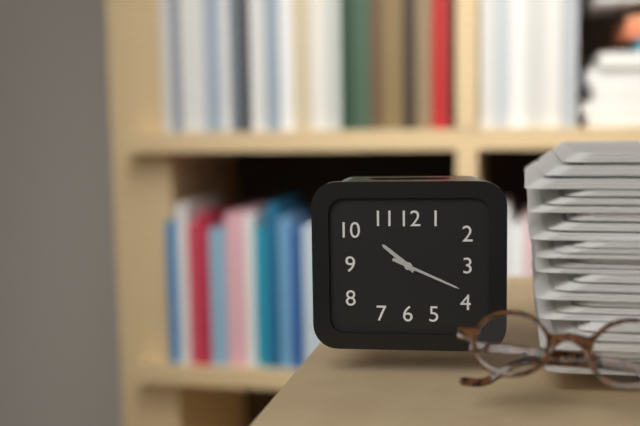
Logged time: **10:19**
